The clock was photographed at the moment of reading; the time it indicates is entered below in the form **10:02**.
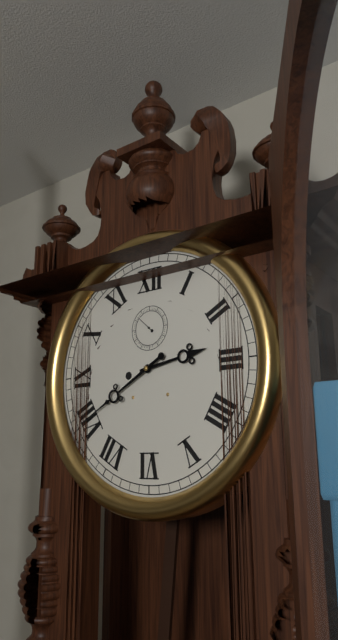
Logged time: **2:40**
